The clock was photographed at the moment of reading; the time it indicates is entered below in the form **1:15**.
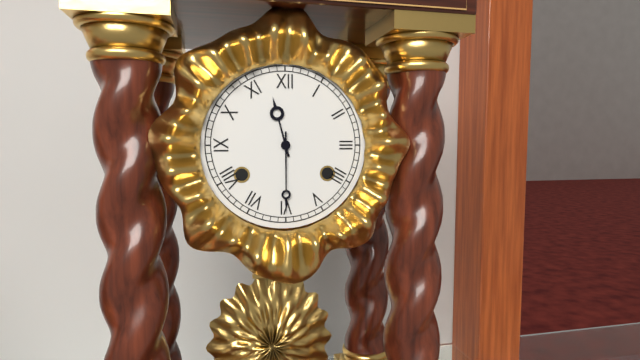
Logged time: **11:30**
